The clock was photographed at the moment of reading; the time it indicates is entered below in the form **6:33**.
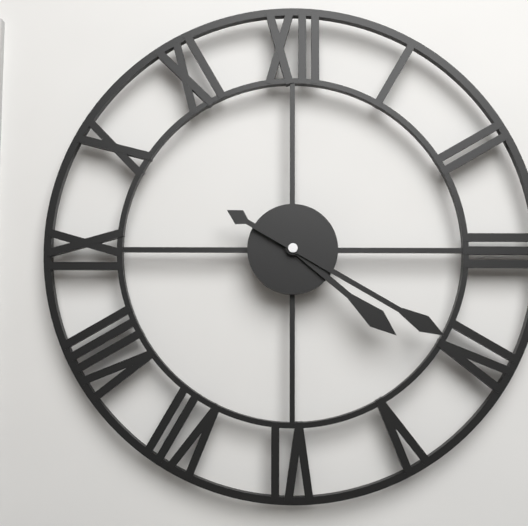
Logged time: **4:20**
